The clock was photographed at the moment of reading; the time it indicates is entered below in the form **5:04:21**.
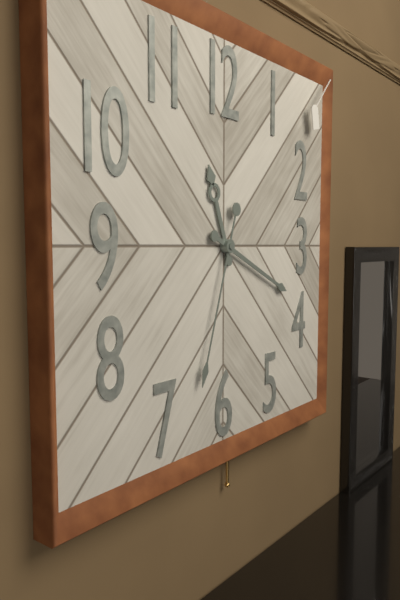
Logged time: **11:19:33**
